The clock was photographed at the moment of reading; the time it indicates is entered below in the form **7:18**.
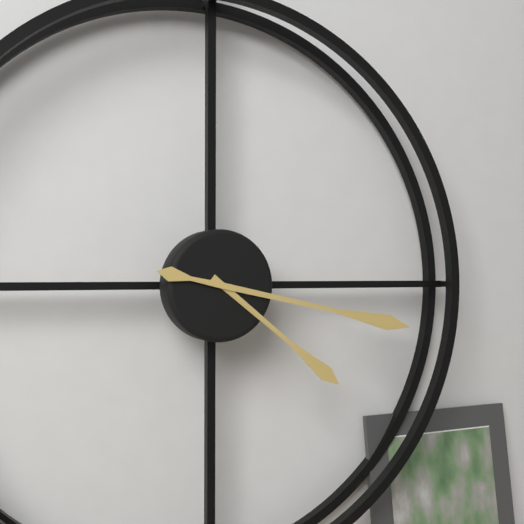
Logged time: **4:17**
